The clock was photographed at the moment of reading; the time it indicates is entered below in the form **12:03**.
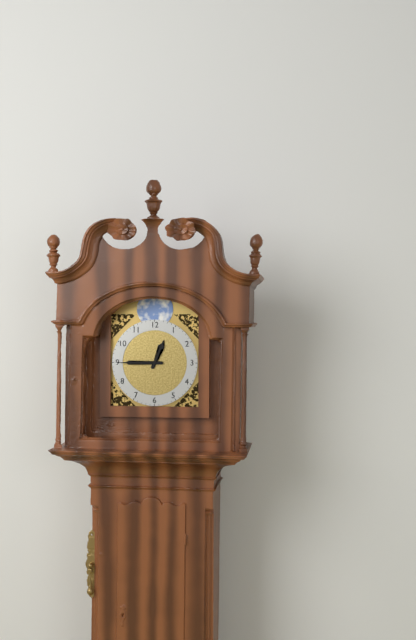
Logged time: **12:45**
